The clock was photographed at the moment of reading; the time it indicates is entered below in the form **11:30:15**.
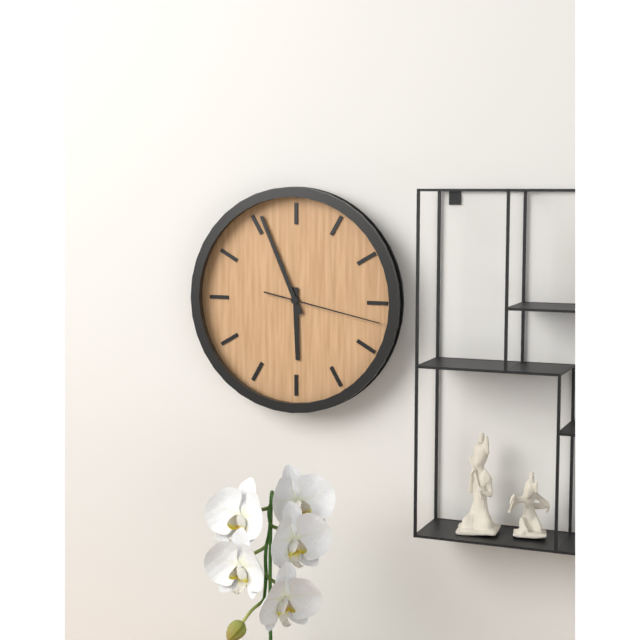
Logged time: **5:56:17**
